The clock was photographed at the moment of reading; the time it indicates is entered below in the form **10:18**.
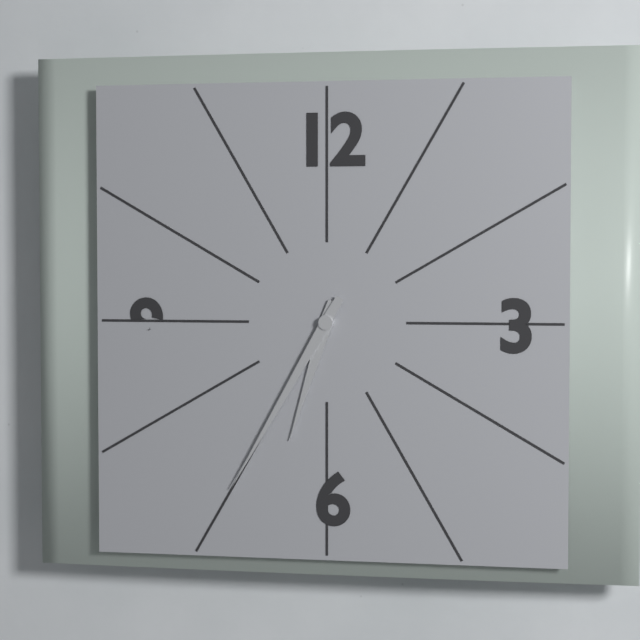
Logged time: **6:35**
